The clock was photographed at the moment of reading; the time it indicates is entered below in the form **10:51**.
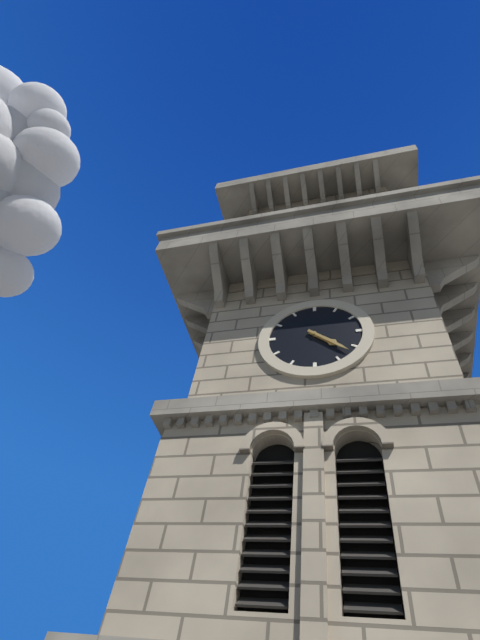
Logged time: **4:22**
